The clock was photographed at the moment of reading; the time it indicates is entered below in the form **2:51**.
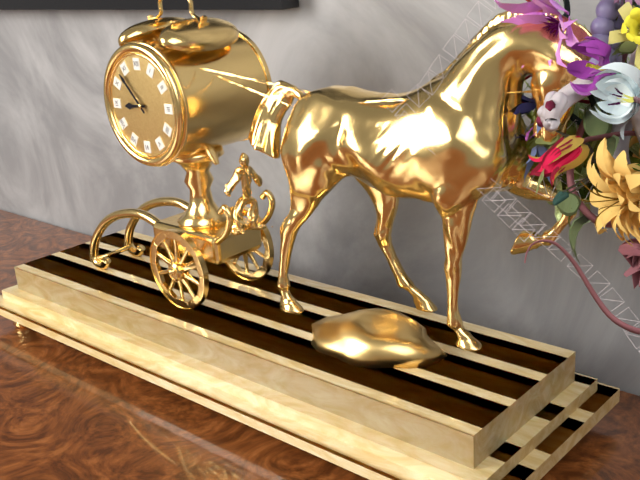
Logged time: **8:53**
